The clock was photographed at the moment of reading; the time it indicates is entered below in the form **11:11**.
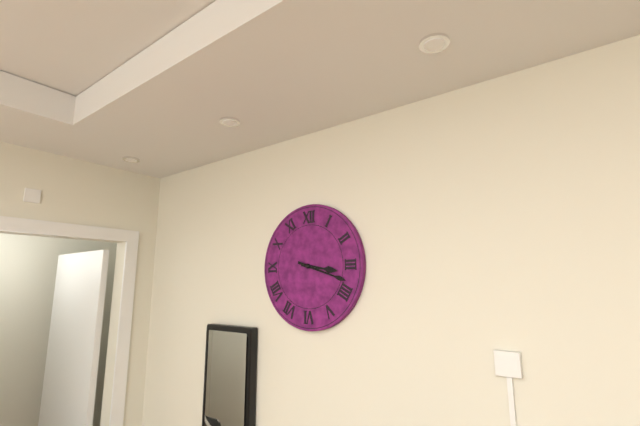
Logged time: **3:18**
